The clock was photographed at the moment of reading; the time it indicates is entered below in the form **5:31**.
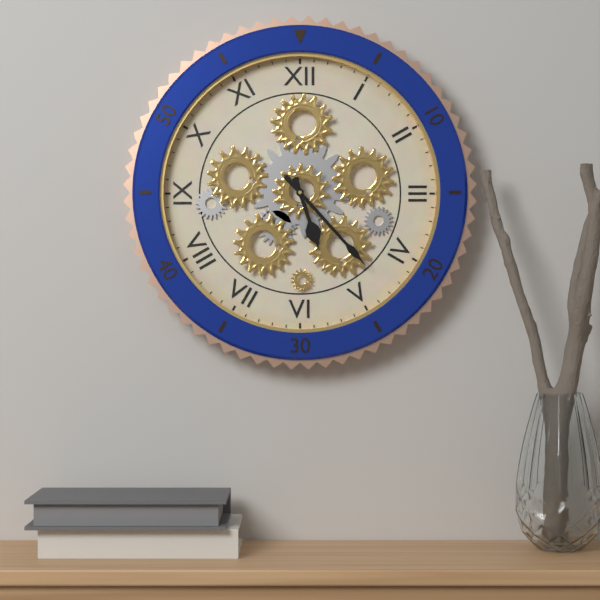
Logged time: **5:23**
